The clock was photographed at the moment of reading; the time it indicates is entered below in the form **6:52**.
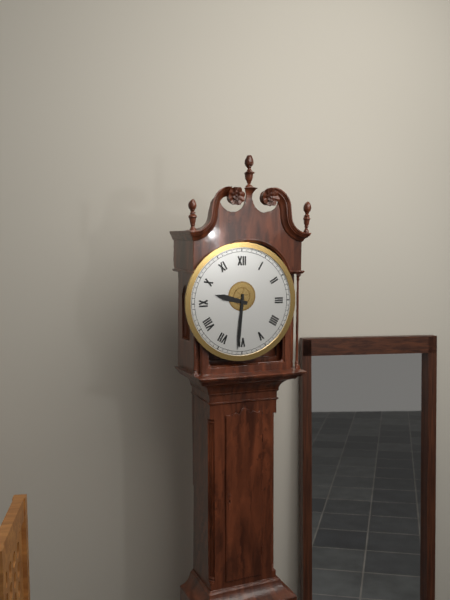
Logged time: **9:31**
